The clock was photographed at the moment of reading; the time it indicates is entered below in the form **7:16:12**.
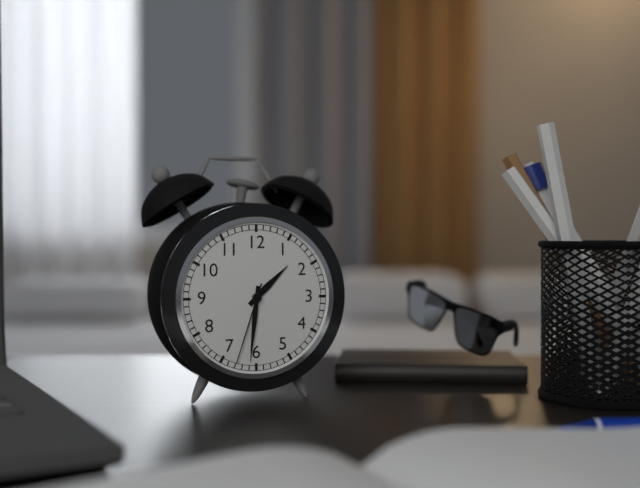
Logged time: **1:31:33**
